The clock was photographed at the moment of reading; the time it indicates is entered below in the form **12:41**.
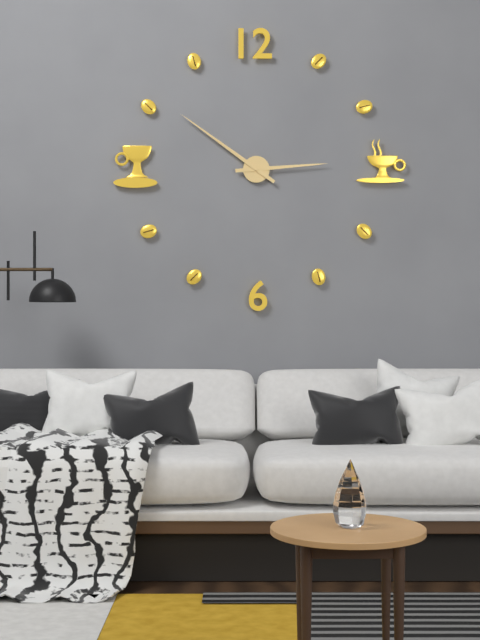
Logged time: **2:51**
